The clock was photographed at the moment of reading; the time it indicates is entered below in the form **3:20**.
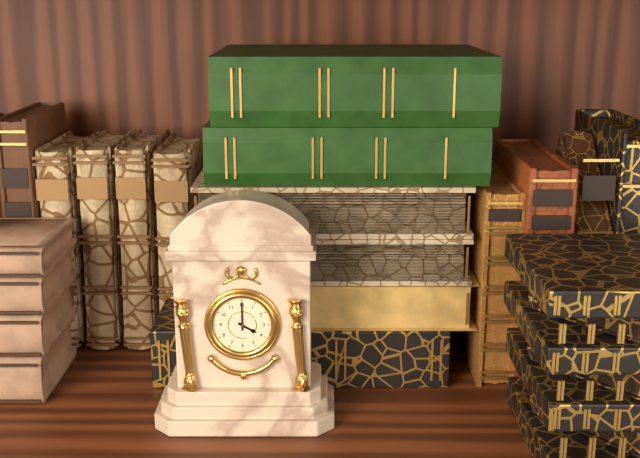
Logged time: **4:00**
